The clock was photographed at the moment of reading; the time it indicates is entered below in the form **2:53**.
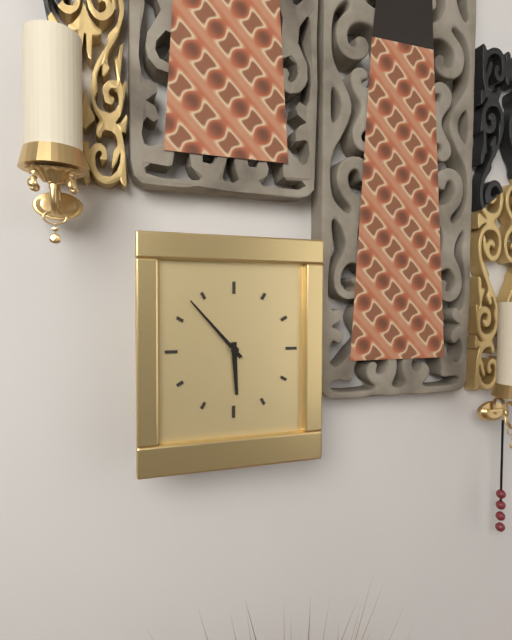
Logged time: **5:53**
